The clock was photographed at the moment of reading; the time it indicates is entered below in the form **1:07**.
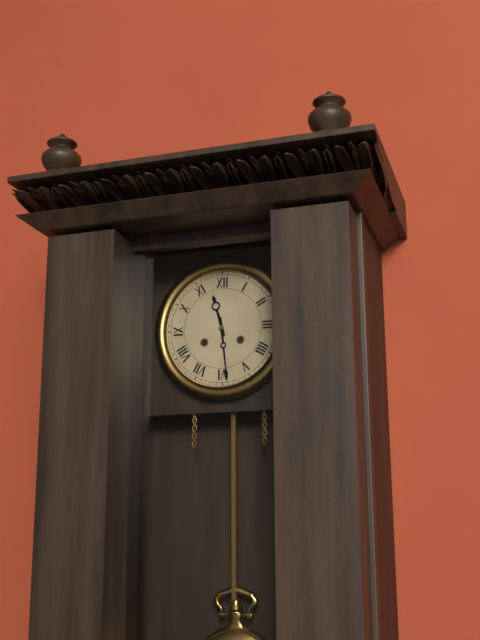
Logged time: **11:29**
